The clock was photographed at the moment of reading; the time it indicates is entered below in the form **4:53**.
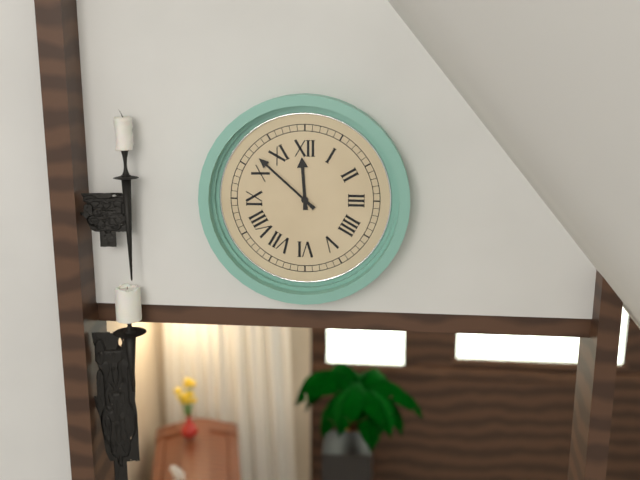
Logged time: **11:52**
